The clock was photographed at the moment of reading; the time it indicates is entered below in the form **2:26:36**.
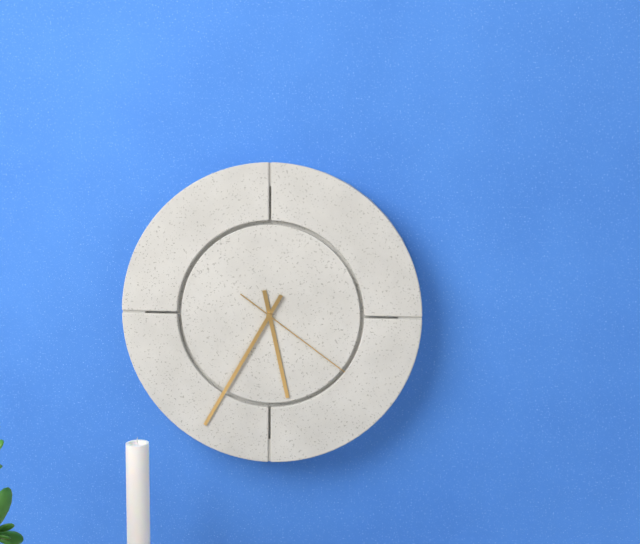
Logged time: **5:35:21**
